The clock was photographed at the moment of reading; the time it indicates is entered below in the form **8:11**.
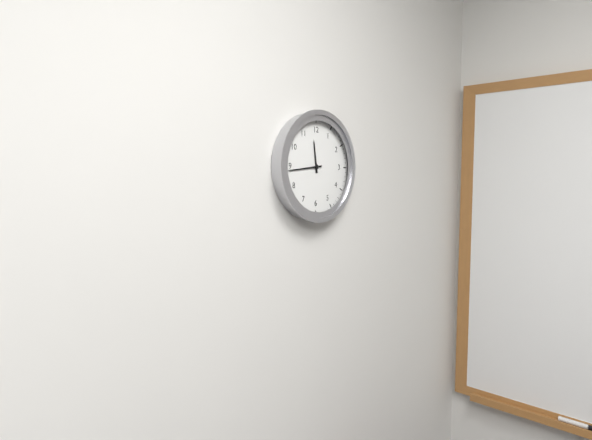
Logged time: **11:44**
